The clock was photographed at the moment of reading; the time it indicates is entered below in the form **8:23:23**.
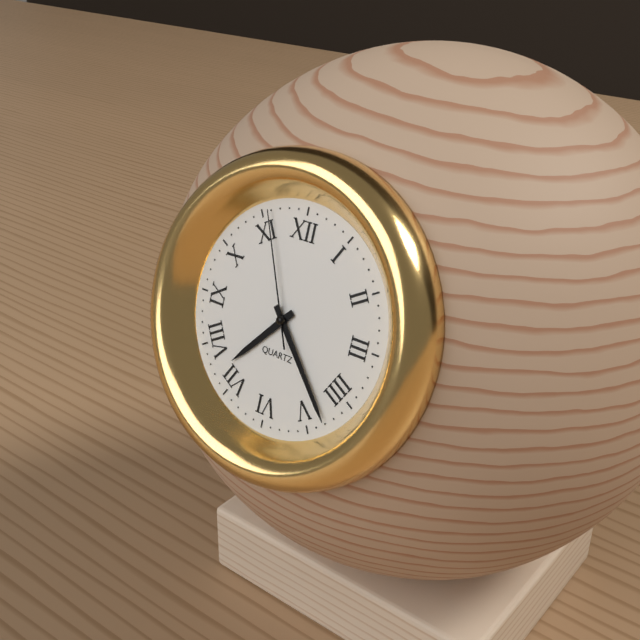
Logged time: **7:23:56**
